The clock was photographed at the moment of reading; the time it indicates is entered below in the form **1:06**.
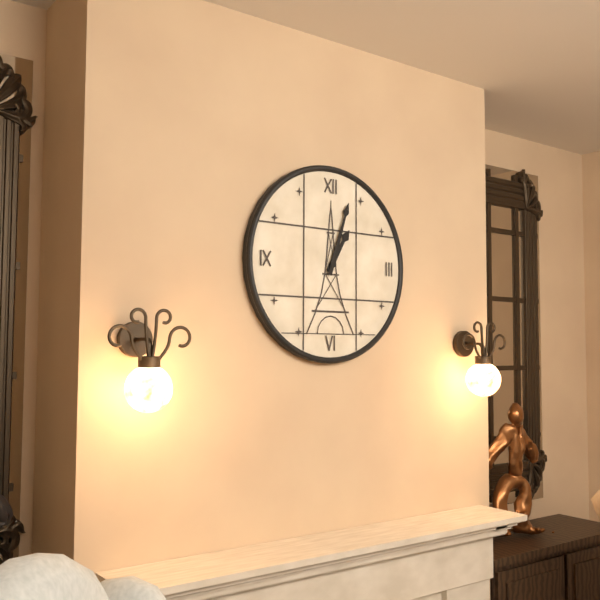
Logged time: **1:03**
